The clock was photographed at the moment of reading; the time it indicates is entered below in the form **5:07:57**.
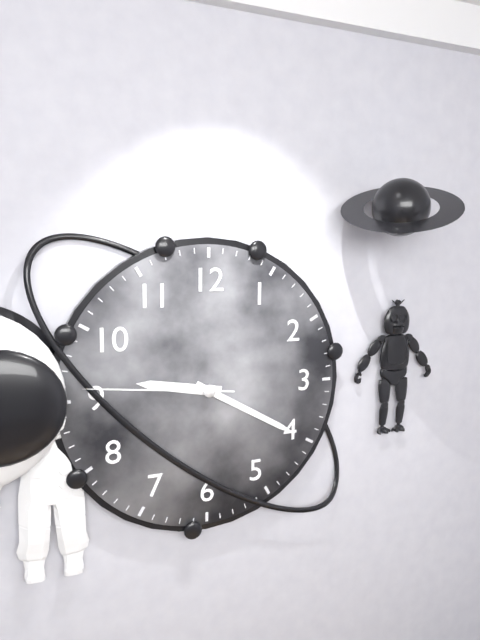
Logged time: **9:20:46**
